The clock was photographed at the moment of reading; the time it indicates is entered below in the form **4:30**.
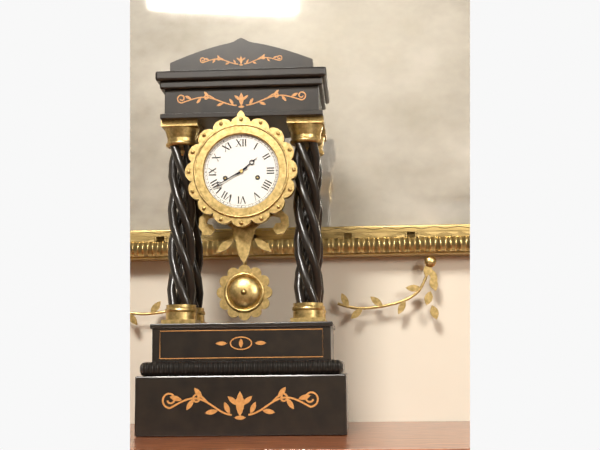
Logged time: **1:40**
